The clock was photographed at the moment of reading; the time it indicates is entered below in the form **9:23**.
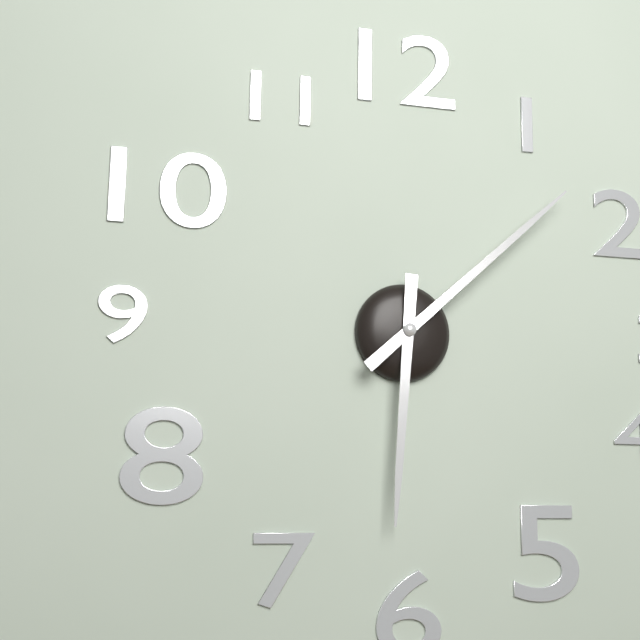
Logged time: **6:08**
